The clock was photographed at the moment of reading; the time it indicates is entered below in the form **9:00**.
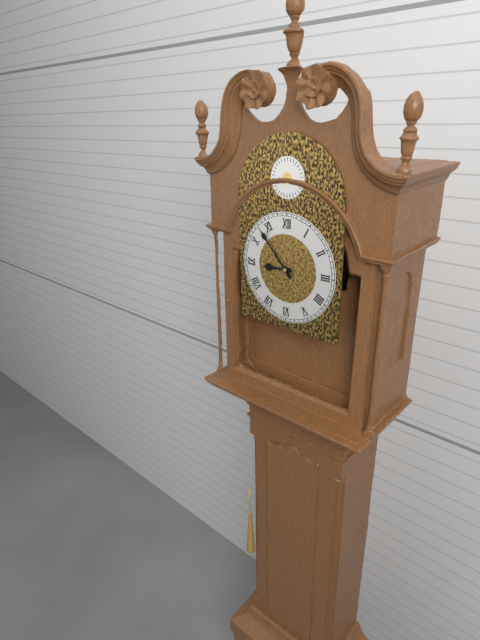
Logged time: **8:53**
